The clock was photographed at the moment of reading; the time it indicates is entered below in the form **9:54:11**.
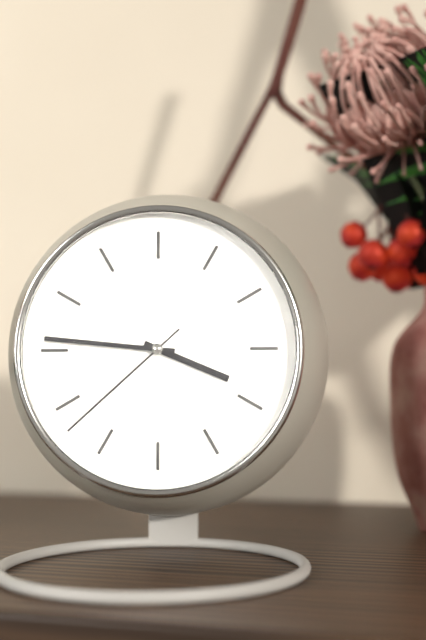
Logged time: **3:46:38**
